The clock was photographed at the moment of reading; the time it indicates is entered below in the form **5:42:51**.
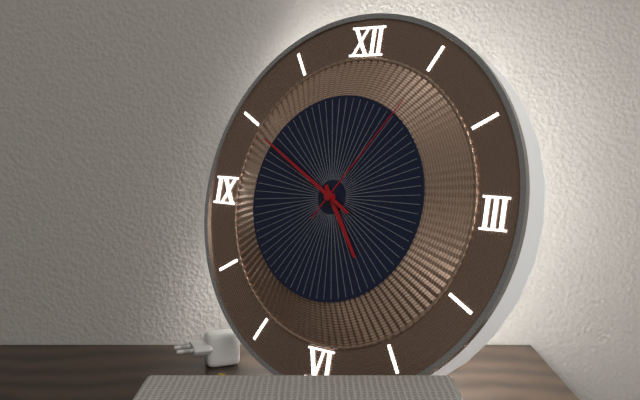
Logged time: **4:50:06**
